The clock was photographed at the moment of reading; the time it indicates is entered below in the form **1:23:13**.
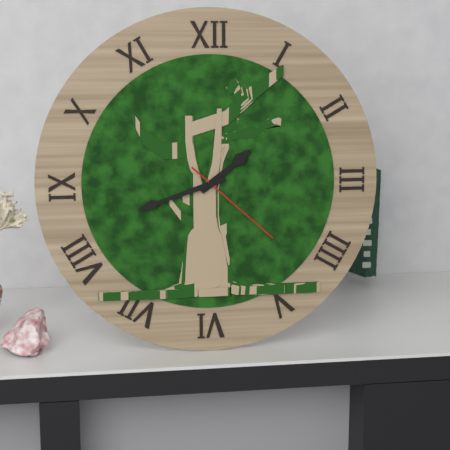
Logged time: **1:42:22**
